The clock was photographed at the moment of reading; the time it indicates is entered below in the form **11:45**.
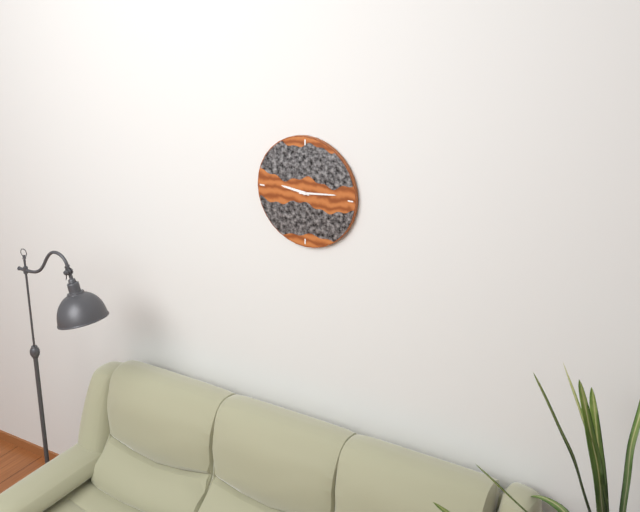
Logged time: **9:14**
